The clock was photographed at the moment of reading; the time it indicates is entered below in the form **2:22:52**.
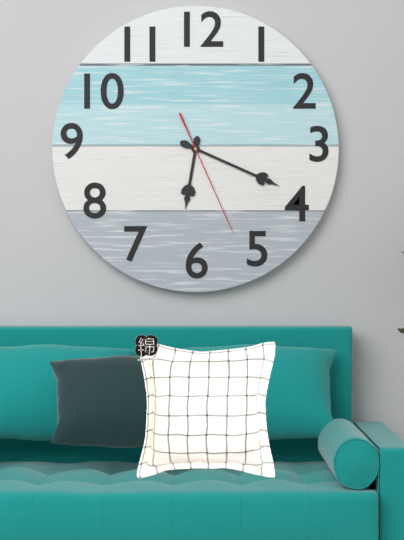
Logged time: **6:19:26**
